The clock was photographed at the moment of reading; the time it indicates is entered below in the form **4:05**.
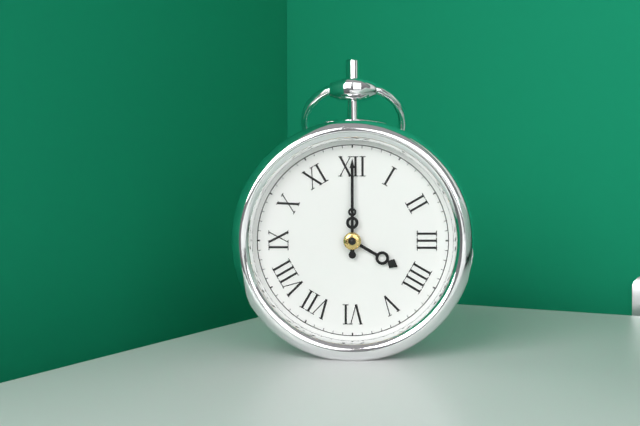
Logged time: **4:00**
